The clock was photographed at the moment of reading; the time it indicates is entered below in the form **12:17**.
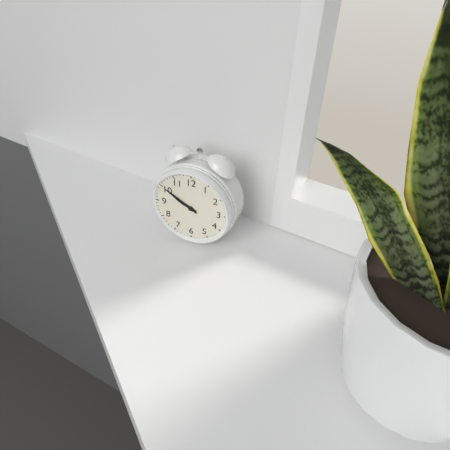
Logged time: **9:50**
